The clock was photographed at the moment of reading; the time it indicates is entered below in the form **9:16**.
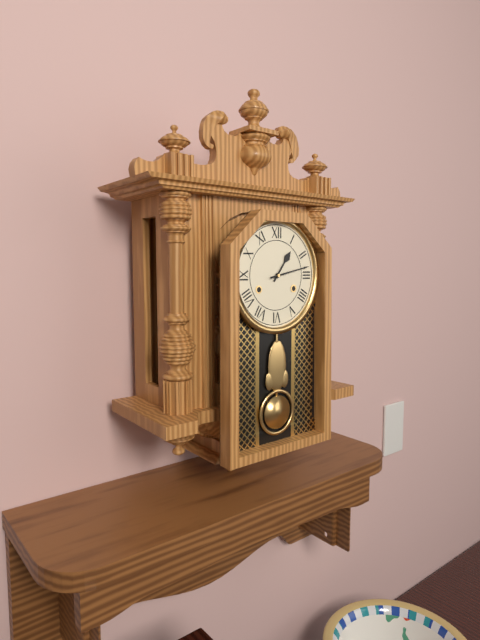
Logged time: **1:13**
